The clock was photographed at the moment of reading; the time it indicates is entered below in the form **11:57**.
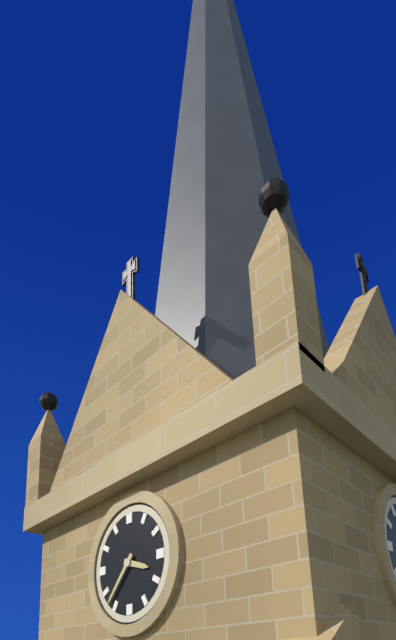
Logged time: **3:37**
